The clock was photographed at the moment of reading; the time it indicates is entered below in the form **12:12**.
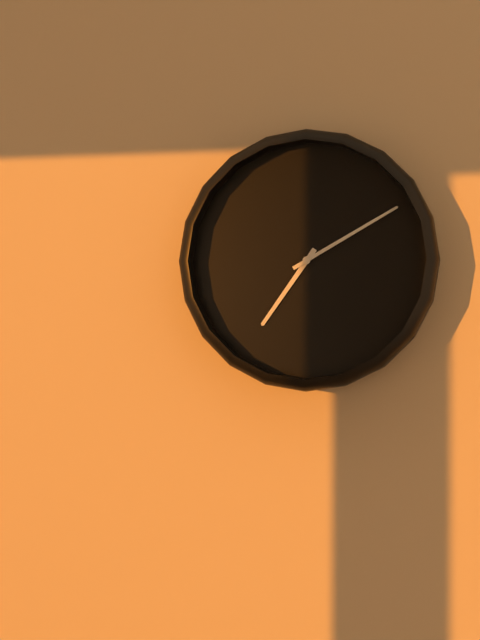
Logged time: **7:10**
